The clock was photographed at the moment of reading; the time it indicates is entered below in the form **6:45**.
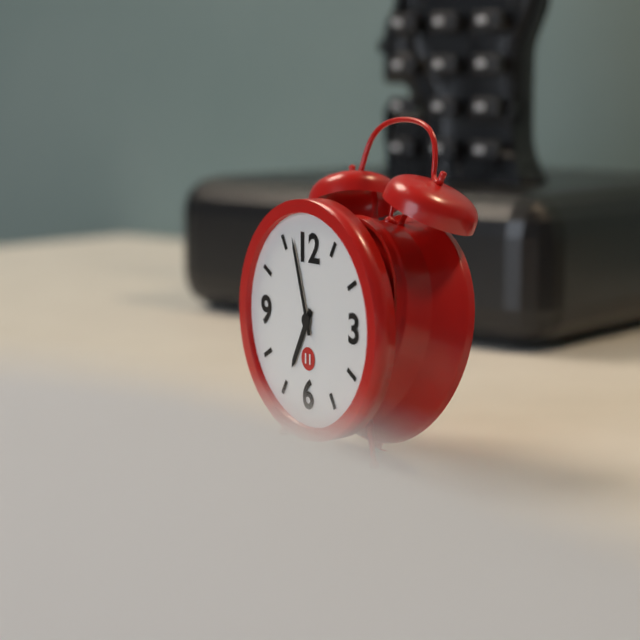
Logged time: **6:57**
